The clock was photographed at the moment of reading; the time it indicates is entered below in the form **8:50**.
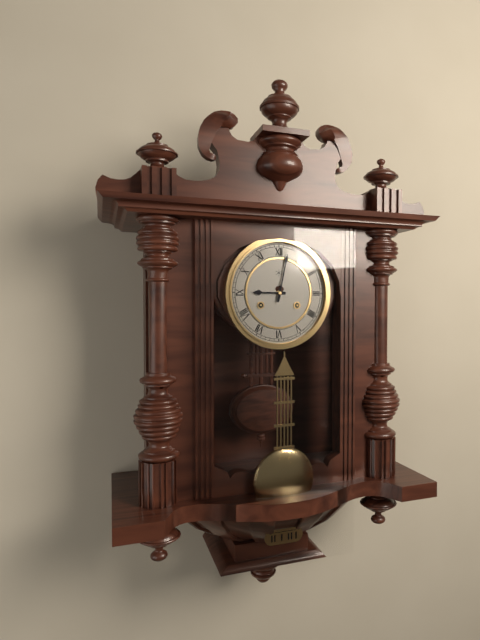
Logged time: **9:02**
